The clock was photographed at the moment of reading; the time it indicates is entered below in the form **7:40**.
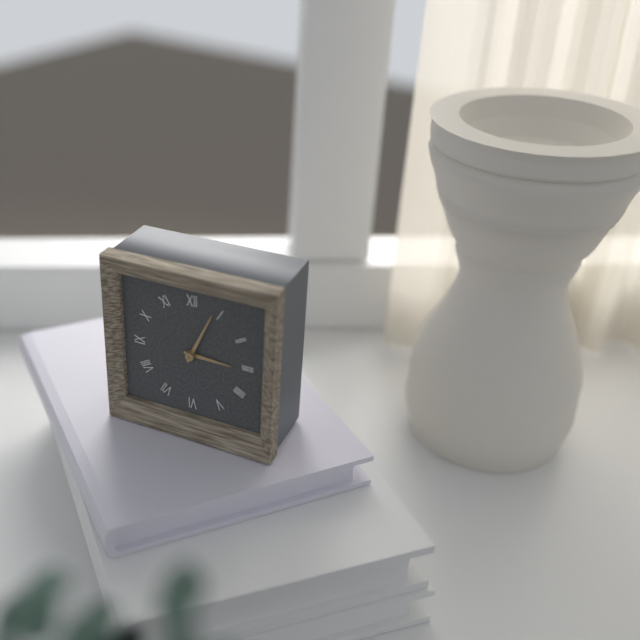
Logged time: **3:04**
